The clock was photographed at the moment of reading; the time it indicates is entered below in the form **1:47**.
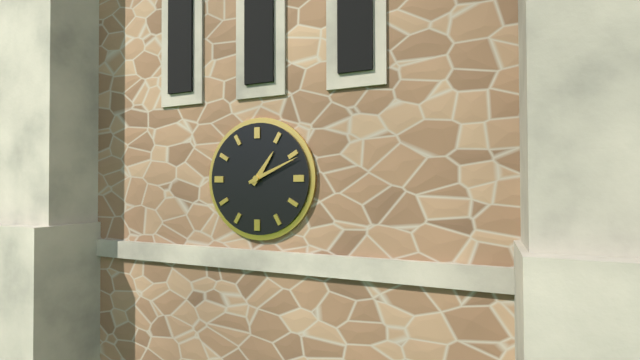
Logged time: **1:11**
